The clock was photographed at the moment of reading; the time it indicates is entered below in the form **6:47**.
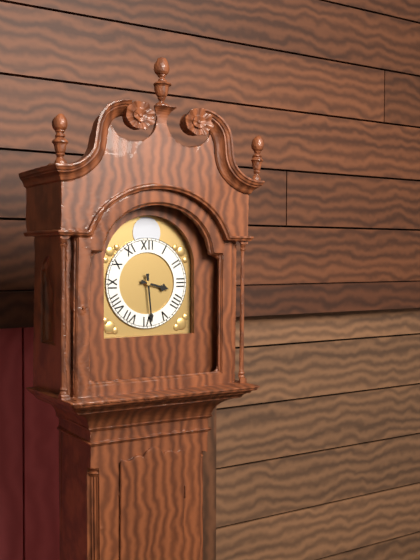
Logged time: **3:29**
